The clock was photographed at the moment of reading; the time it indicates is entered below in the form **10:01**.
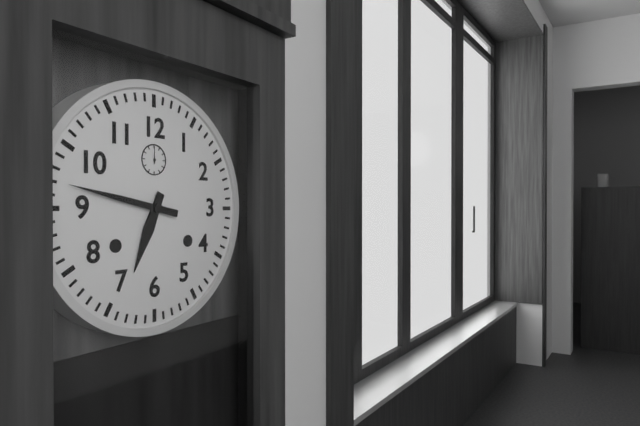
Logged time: **6:47**
